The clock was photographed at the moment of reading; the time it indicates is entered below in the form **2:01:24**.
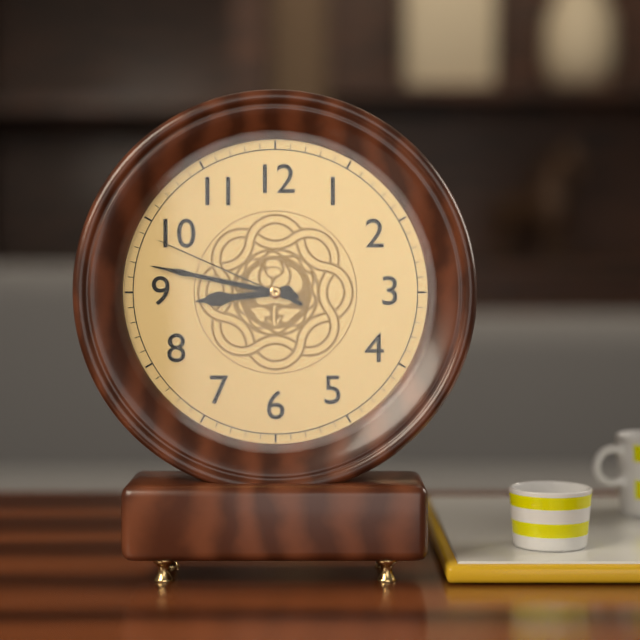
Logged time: **8:47:49**
